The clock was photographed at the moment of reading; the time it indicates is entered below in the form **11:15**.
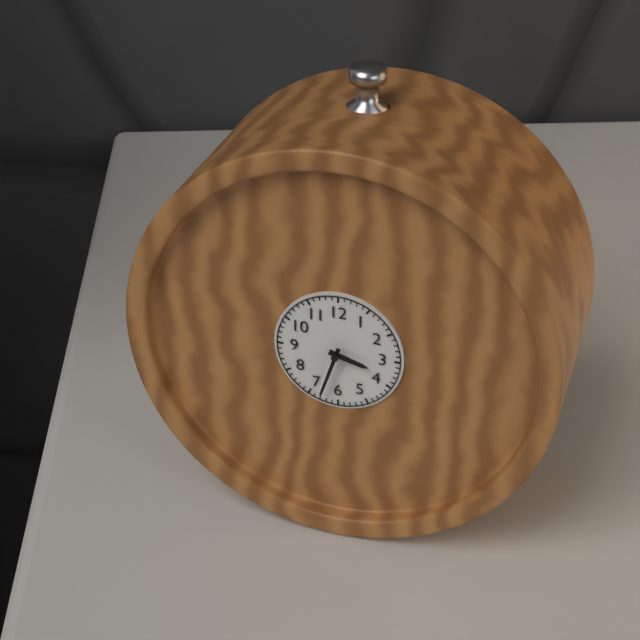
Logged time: **3:33**
